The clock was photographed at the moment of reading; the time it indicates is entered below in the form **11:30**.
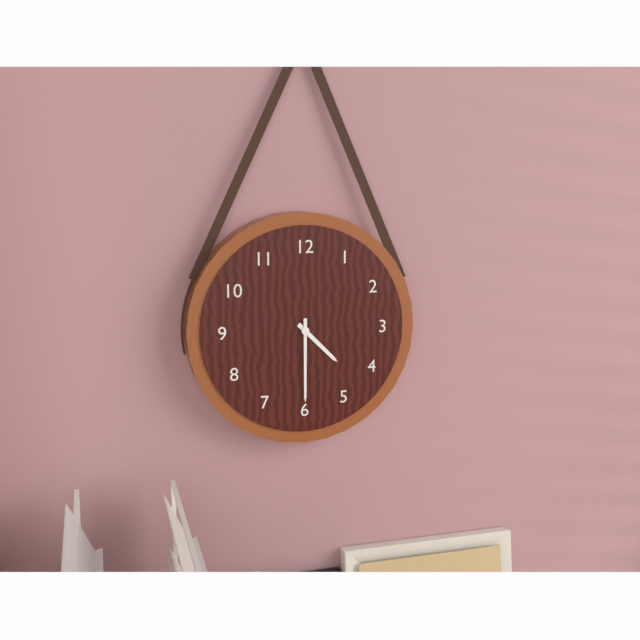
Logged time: **4:30**
